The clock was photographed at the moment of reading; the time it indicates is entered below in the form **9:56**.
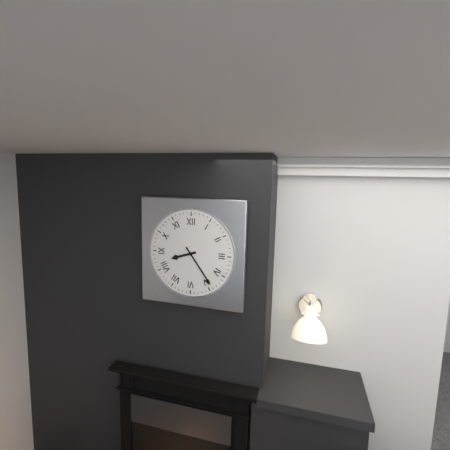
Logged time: **8:24**
